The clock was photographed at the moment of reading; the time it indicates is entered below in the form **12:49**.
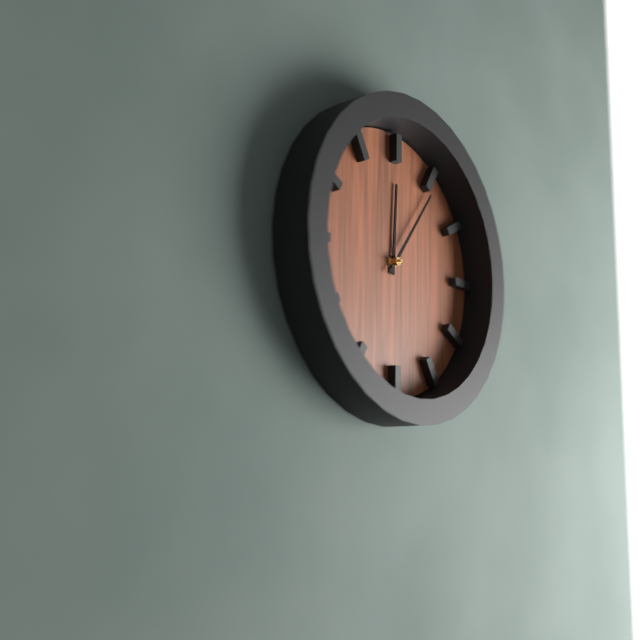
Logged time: **12:06**
